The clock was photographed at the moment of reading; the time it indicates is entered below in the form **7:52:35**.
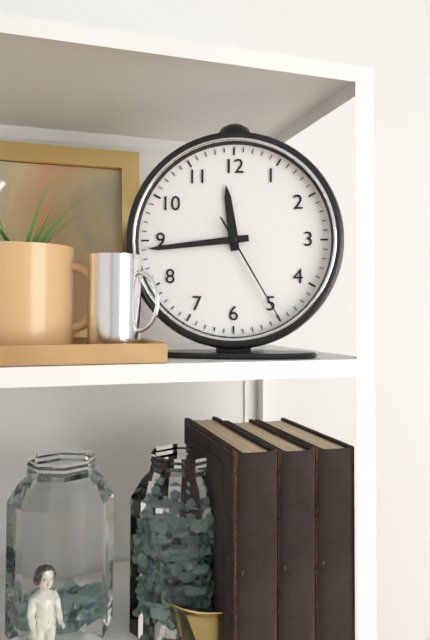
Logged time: **11:44:25**
